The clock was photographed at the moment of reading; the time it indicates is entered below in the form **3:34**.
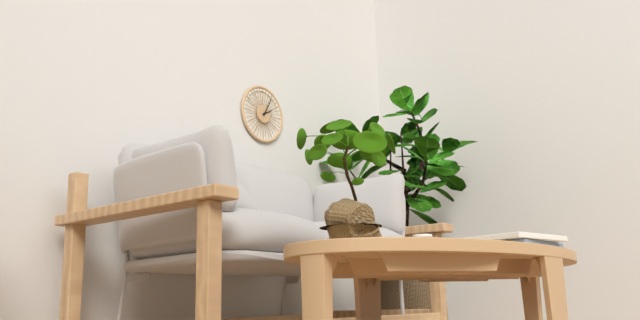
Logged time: **2:05**
